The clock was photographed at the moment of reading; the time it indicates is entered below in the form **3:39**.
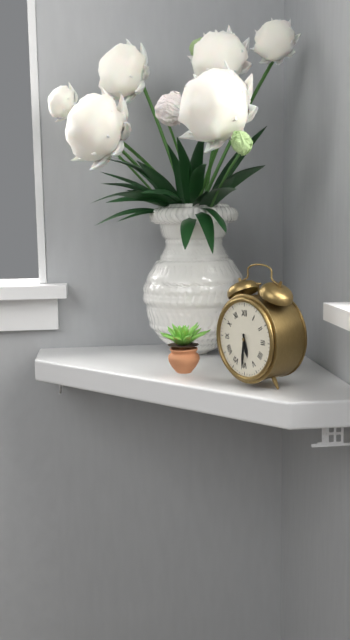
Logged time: **5:31**
